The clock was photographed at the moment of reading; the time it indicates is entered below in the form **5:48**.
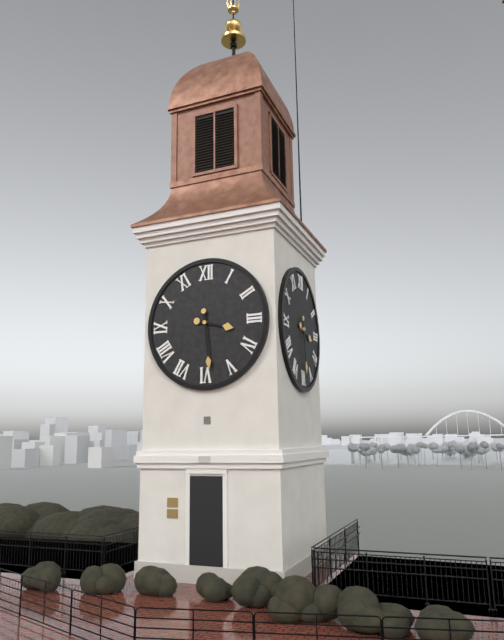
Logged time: **3:29**
